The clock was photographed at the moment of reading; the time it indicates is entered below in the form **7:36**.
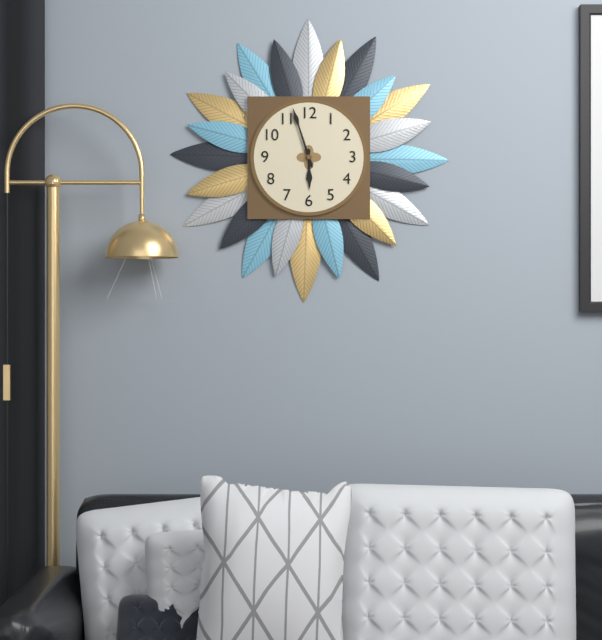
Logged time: **5:57**
